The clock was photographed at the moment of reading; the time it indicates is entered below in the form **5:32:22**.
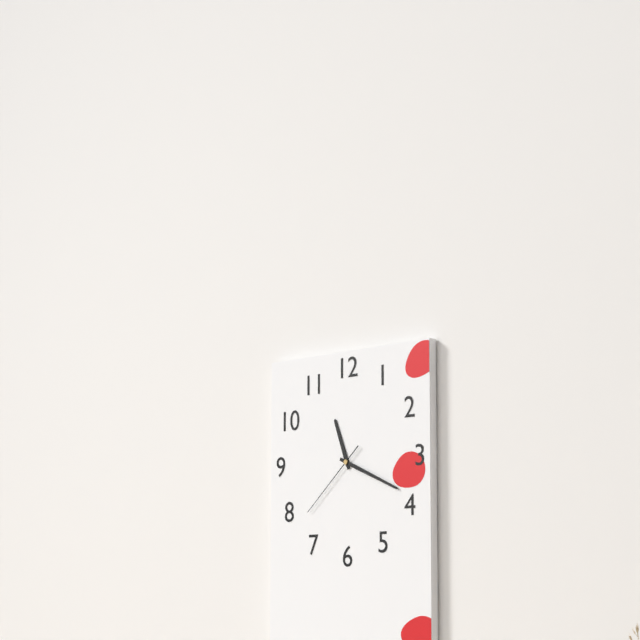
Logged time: **11:19:38**
